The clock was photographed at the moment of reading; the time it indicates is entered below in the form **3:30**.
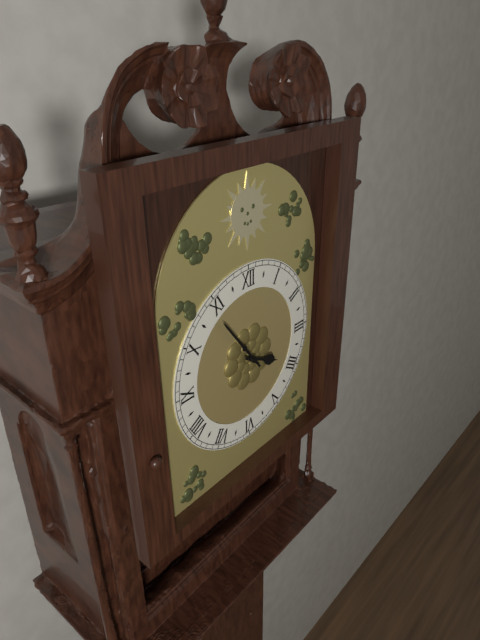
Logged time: **3:54**
